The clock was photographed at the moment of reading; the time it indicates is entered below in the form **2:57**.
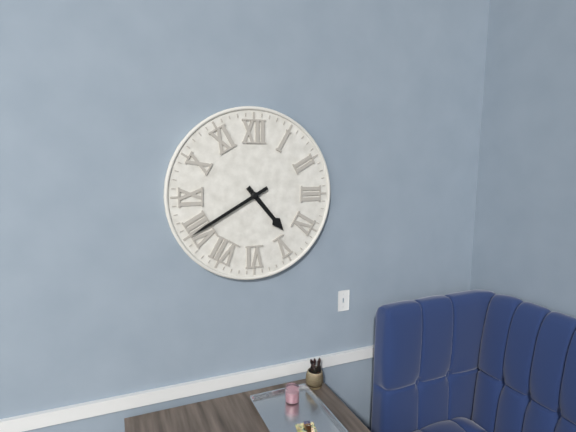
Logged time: **4:40**
